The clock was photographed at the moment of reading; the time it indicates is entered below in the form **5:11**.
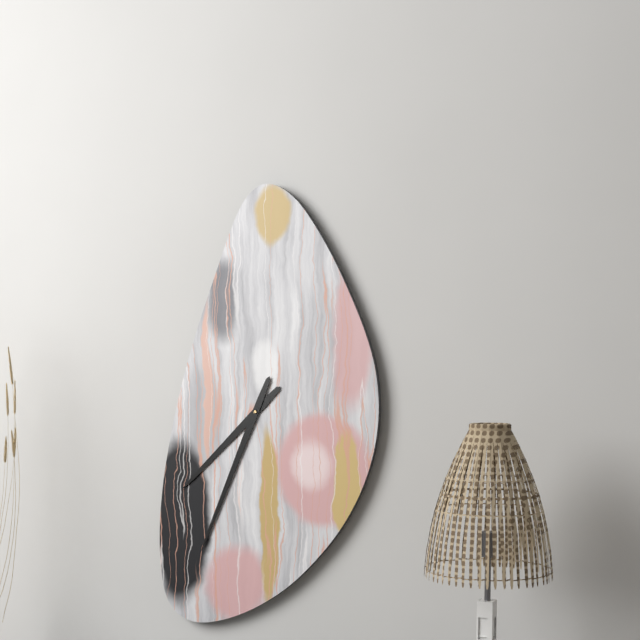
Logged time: **7:34**
